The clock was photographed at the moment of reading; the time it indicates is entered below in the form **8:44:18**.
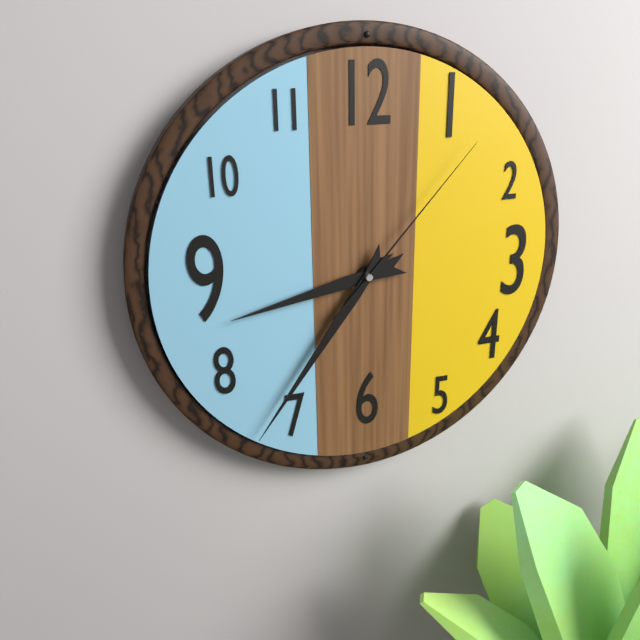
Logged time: **8:36:07**
